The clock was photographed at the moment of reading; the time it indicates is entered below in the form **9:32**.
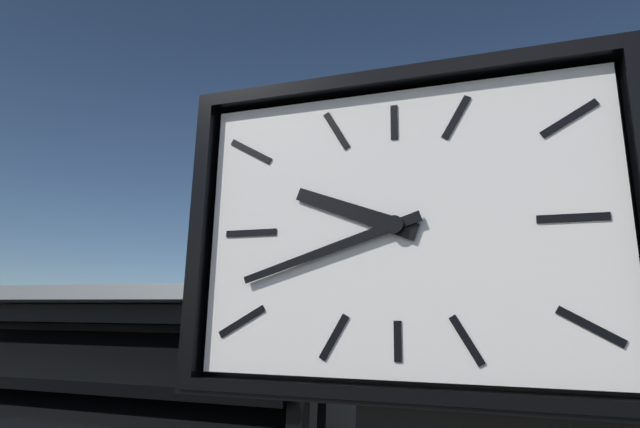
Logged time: **9:42**
